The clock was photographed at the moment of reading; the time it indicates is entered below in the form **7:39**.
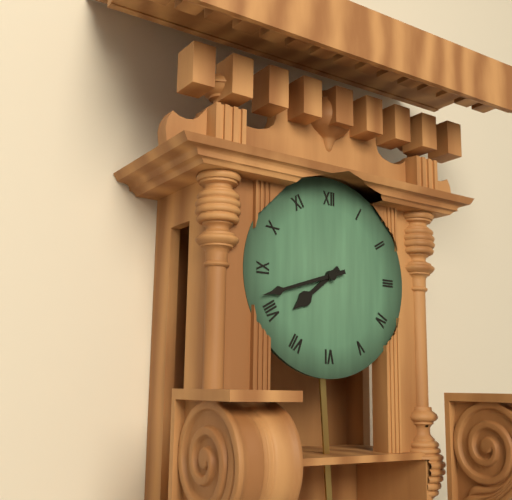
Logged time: **7:42**
